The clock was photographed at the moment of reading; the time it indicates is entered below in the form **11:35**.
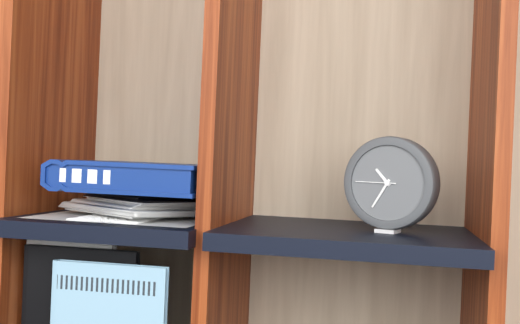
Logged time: **10:35**
